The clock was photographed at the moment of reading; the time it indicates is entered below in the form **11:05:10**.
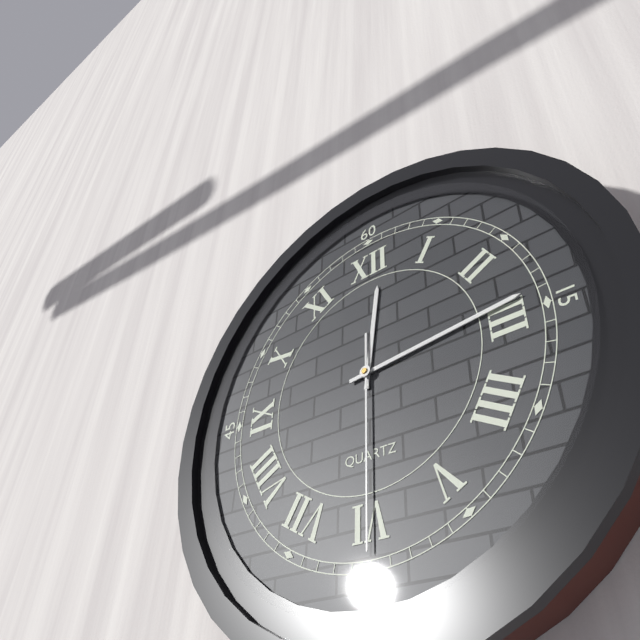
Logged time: **12:14:30**
